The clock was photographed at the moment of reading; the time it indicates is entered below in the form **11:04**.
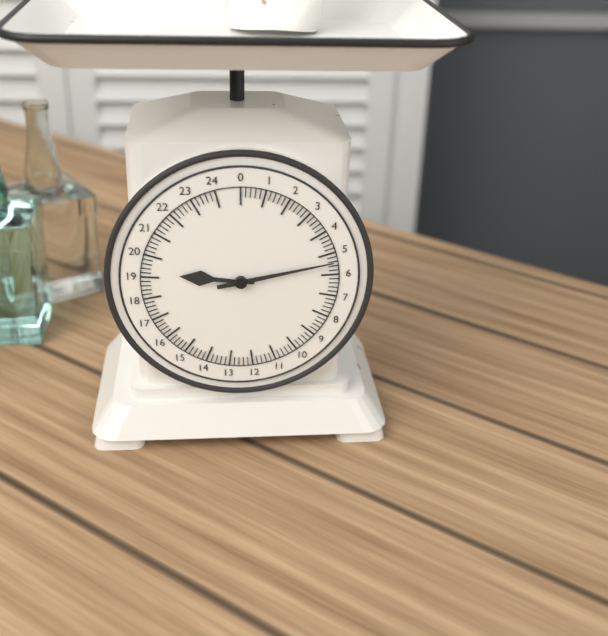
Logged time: **9:13**
